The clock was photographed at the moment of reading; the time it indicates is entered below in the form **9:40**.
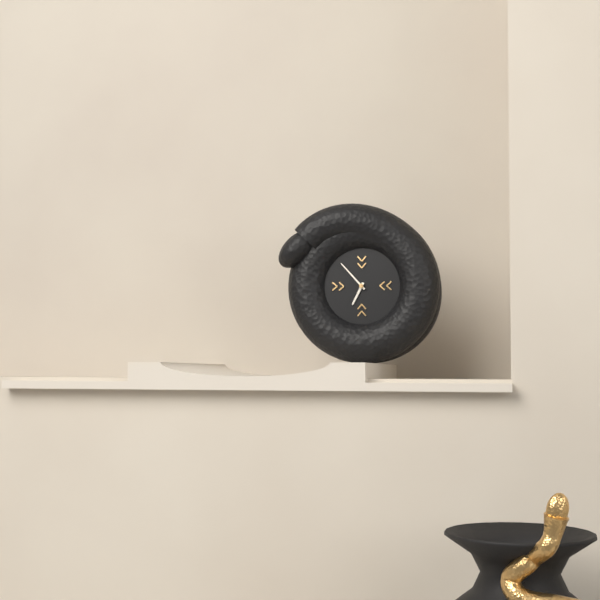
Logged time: **6:53**
